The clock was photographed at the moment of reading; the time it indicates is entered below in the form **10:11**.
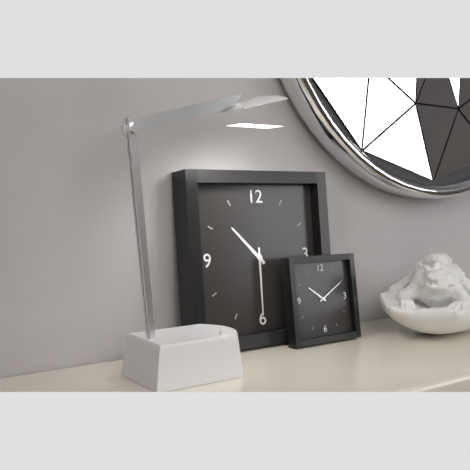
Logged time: **10:30**
